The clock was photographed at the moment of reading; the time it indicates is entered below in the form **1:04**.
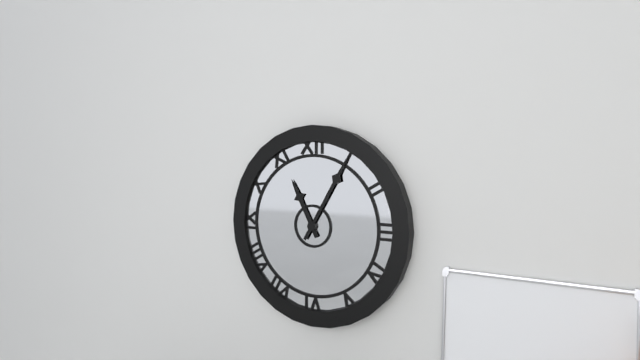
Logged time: **11:05**
